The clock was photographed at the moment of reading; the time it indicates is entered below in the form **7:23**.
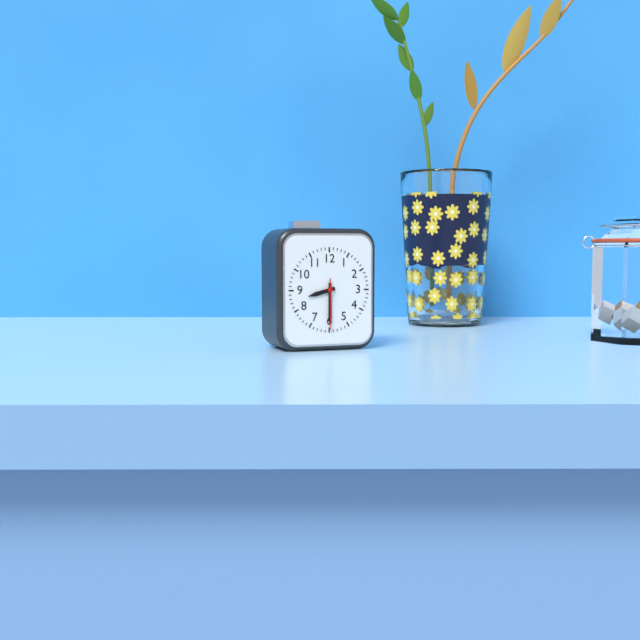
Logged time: **8:30**
